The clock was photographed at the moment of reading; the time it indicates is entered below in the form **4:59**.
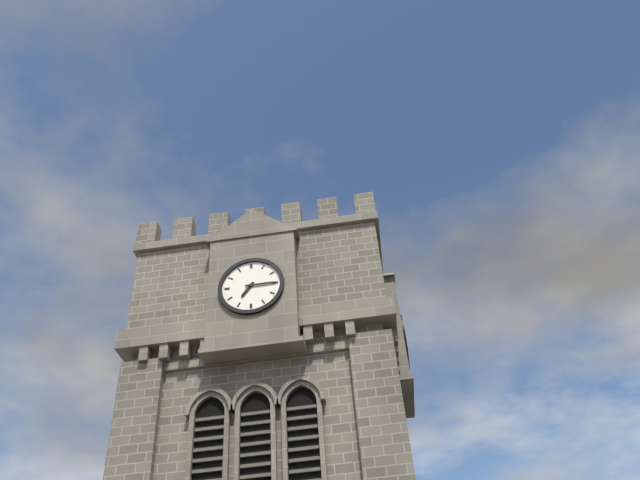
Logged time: **7:15**
